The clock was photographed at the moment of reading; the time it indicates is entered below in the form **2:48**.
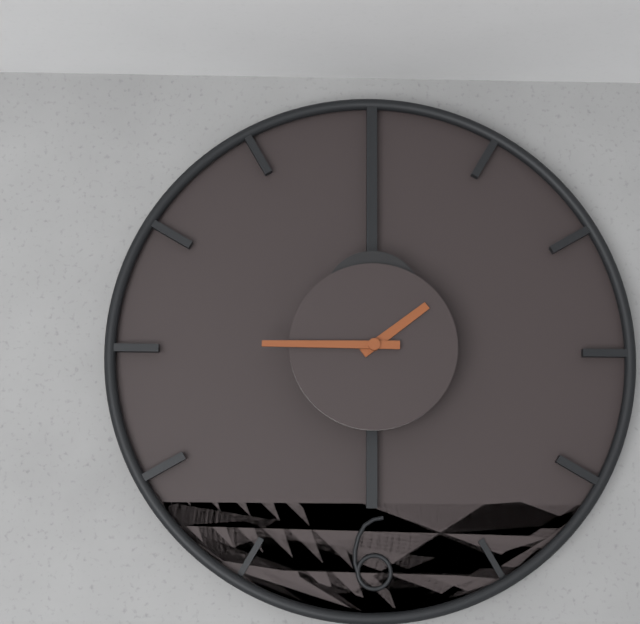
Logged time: **1:45**
